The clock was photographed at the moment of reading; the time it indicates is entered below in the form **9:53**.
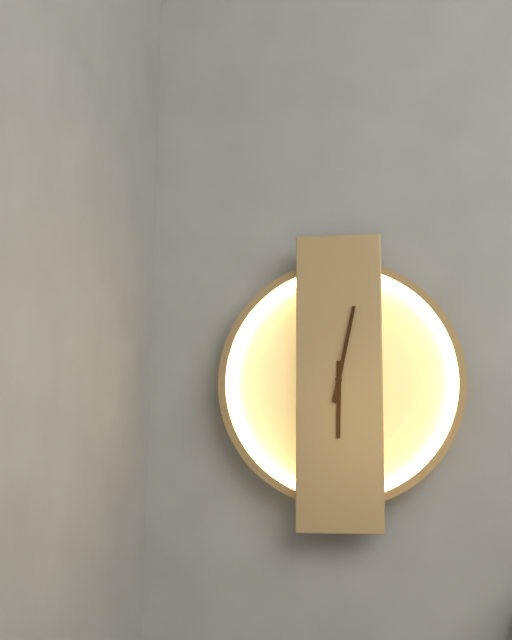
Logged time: **6:02**
